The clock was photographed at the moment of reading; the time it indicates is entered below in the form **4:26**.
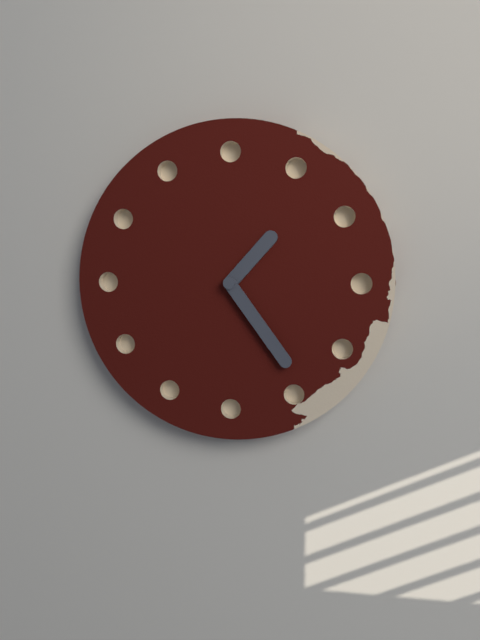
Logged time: **1:24**
